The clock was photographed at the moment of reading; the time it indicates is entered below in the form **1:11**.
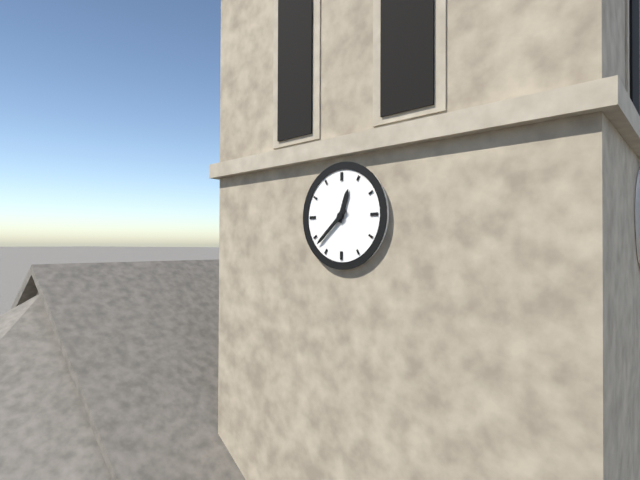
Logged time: **12:38**
